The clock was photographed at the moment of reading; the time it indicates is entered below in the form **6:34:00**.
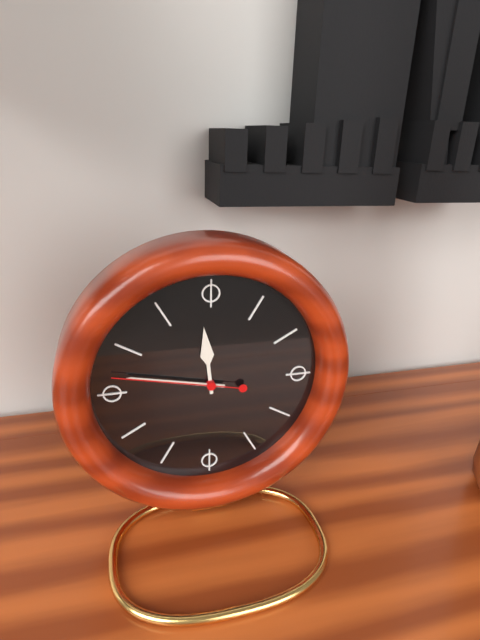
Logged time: **11:47:47**
